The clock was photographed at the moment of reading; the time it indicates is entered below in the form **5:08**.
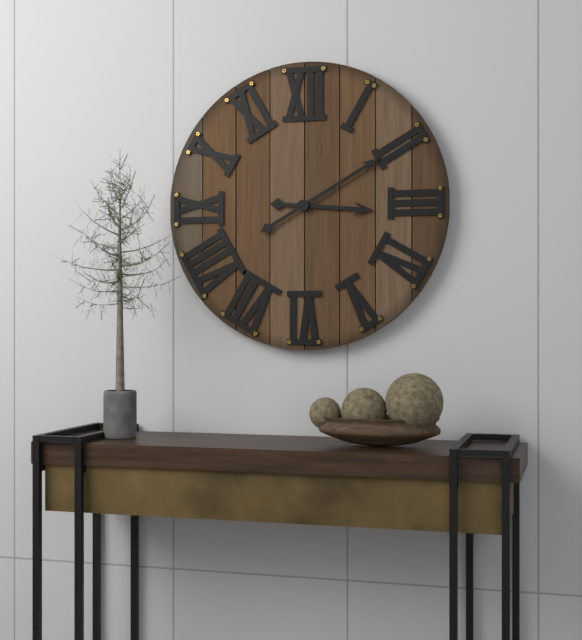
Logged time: **3:10**
